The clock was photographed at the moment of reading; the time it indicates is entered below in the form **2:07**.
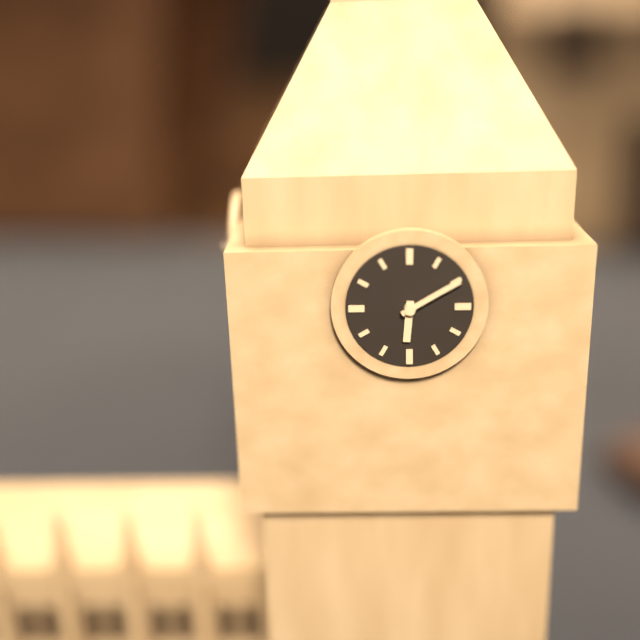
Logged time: **6:10**
